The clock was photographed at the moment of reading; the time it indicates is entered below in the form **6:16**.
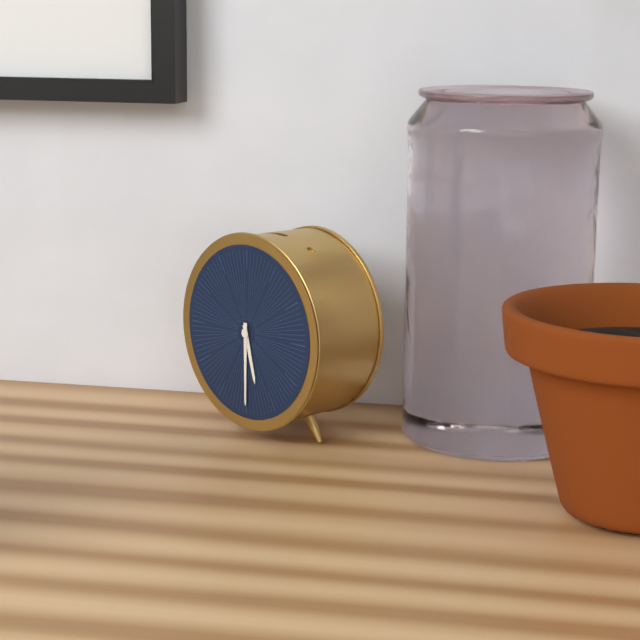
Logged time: **5:30**
